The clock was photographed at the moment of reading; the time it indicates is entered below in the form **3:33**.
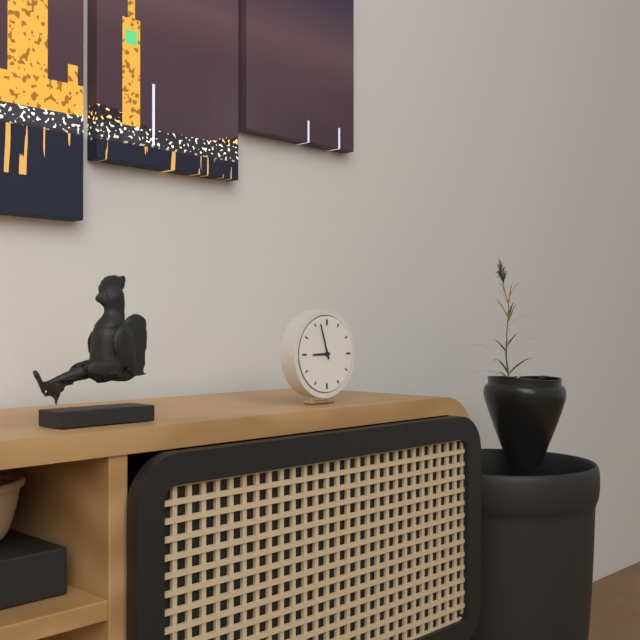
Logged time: **8:57**
